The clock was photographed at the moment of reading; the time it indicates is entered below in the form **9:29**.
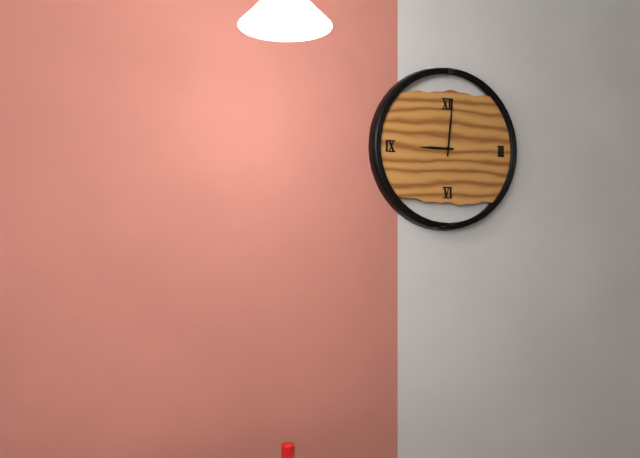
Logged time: **9:01**
